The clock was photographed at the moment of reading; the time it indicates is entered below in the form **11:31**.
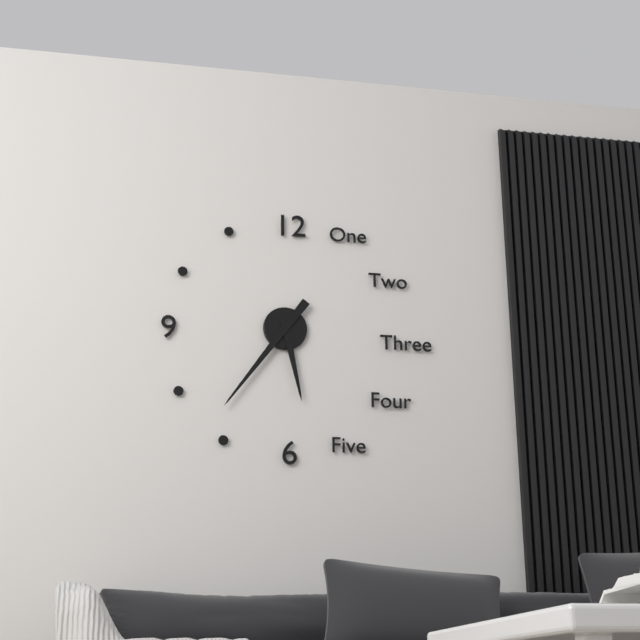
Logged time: **5:36**
